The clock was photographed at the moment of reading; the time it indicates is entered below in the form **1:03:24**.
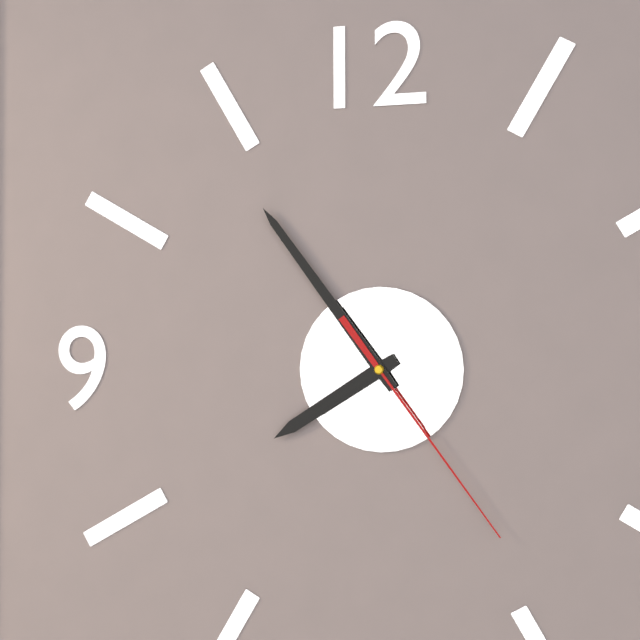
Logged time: **7:54:24**
